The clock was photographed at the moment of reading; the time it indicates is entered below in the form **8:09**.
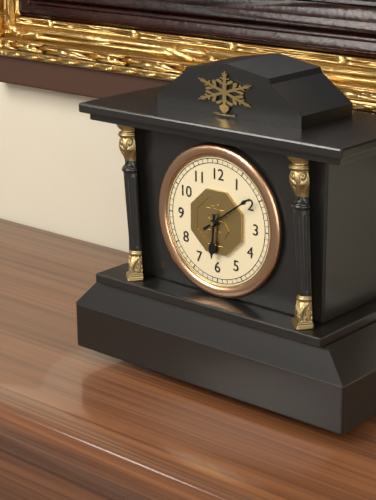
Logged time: **6:09**
